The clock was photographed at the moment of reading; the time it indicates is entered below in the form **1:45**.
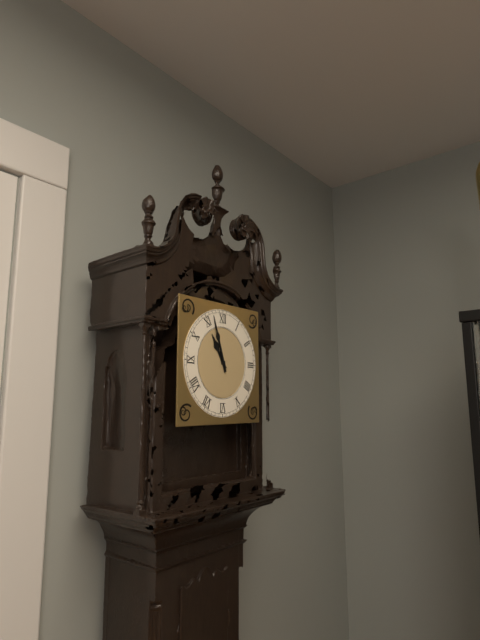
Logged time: **10:57**
